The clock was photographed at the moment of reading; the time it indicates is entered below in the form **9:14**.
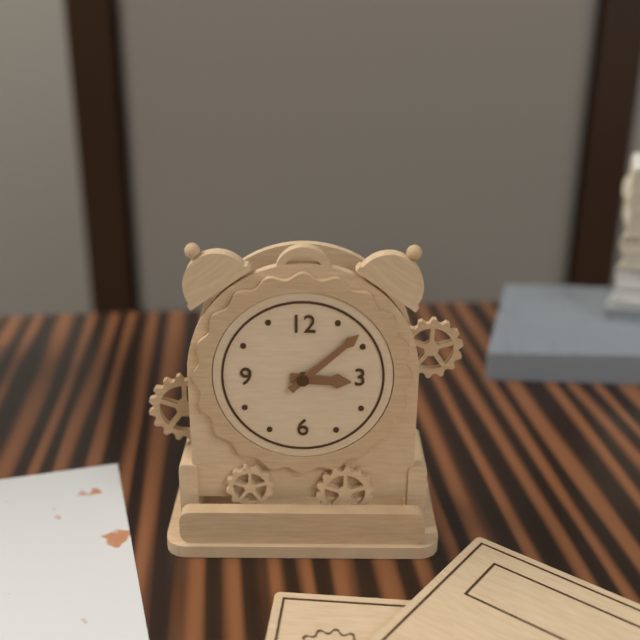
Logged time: **3:08**
